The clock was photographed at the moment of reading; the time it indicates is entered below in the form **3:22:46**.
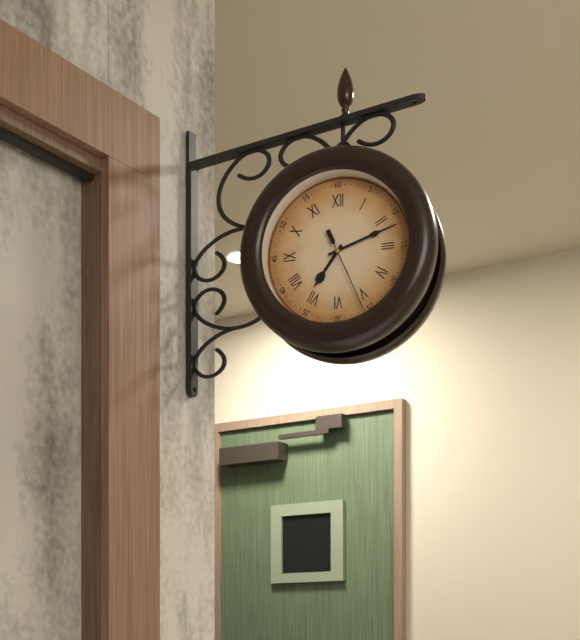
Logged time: **7:12:26**
